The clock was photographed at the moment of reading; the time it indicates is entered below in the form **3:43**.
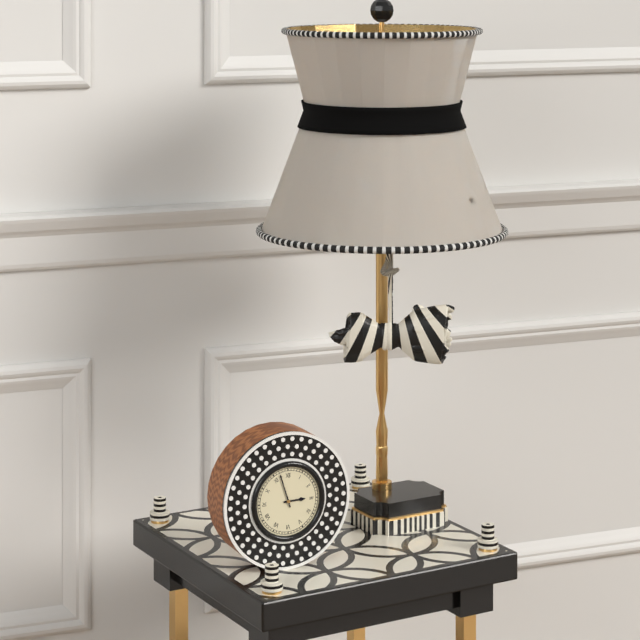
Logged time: **2:57**
